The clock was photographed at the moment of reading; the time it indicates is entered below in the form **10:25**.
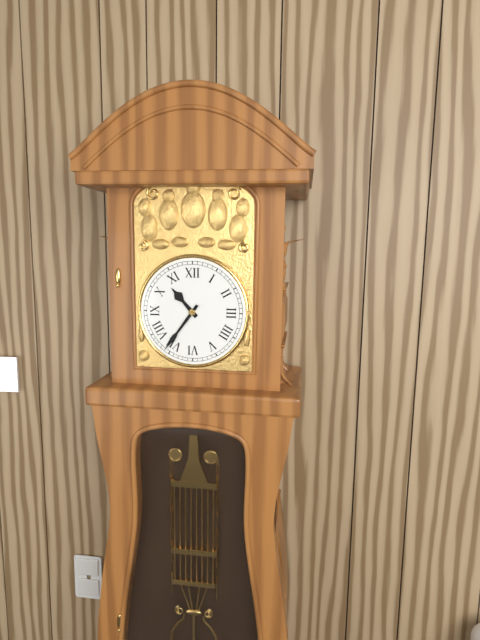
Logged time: **10:36**
